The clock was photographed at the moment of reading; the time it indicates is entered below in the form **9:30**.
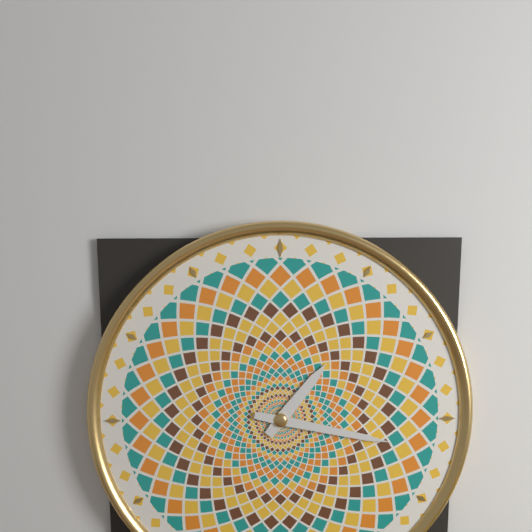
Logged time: **1:17**
